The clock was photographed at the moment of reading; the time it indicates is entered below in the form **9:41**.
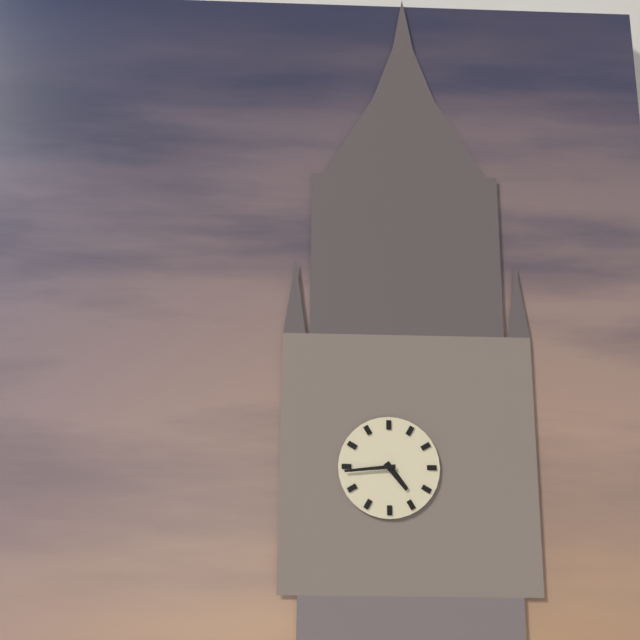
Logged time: **4:44**
